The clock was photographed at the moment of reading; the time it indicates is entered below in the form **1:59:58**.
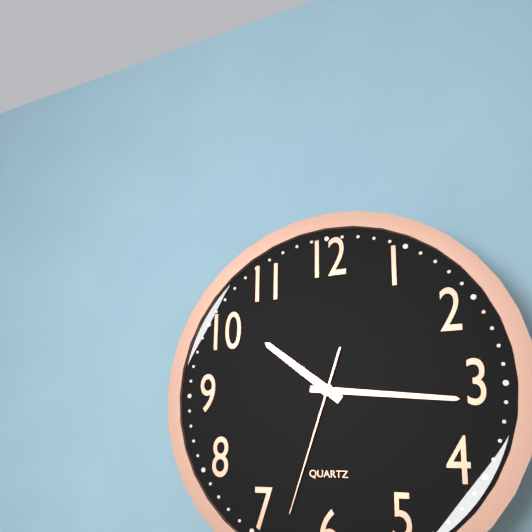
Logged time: **10:16:33**
